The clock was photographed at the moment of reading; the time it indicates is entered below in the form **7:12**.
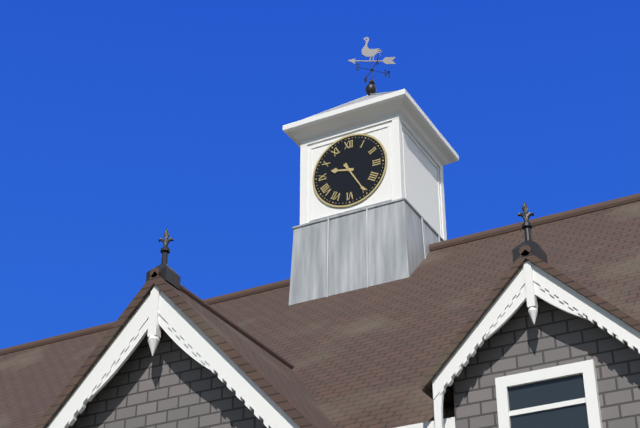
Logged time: **9:25**
